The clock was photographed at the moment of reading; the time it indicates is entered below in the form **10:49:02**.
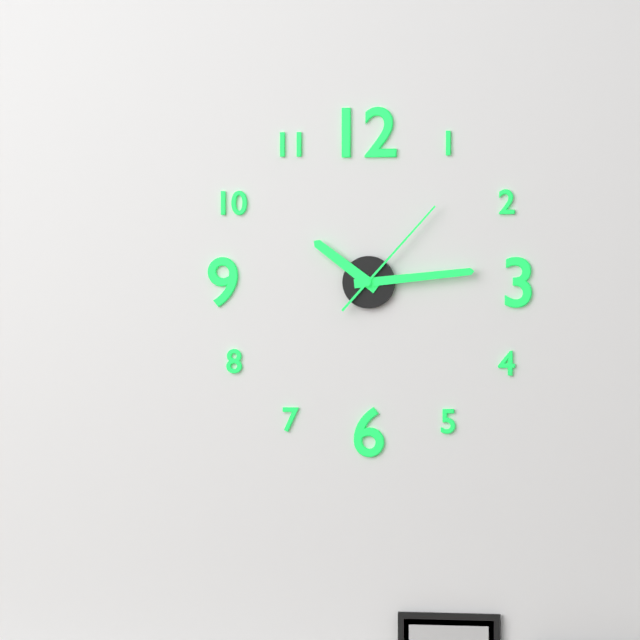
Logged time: **10:14:07**
